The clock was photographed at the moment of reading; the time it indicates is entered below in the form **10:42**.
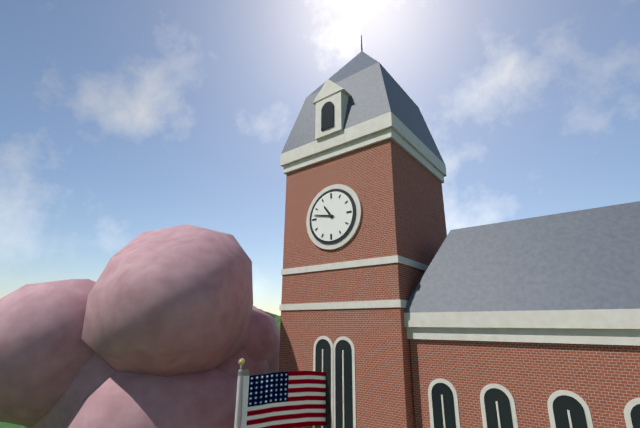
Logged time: **10:47**
